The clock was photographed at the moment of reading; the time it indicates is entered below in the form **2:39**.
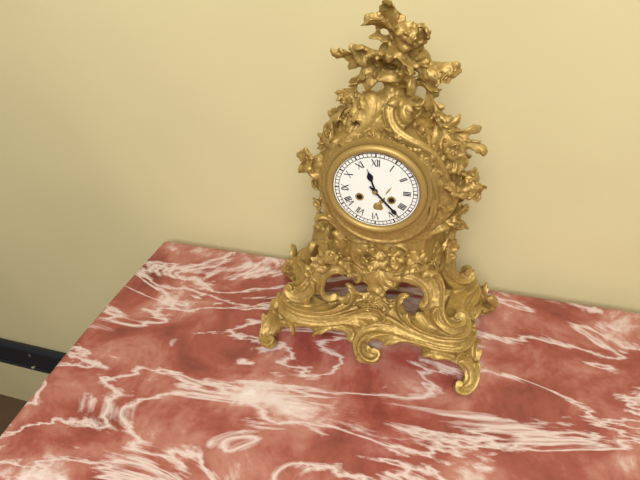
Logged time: **11:23**
